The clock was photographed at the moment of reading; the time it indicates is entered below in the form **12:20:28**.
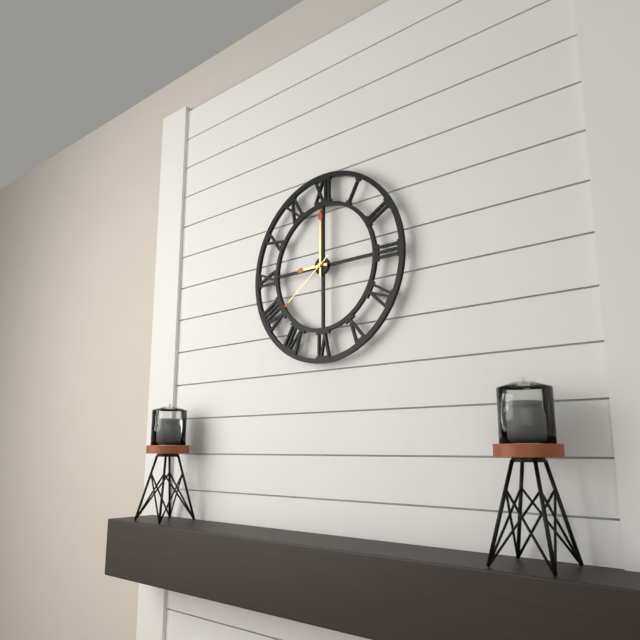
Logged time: **9:00:39**
